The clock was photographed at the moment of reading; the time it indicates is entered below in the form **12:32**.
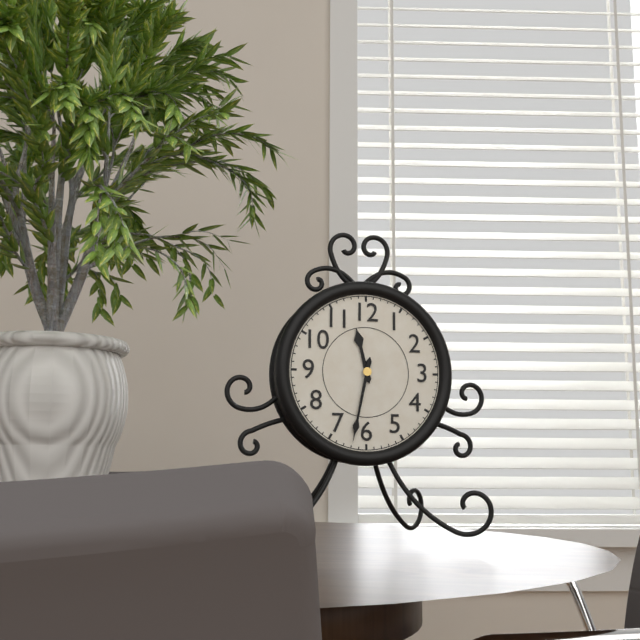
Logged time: **11:32**
